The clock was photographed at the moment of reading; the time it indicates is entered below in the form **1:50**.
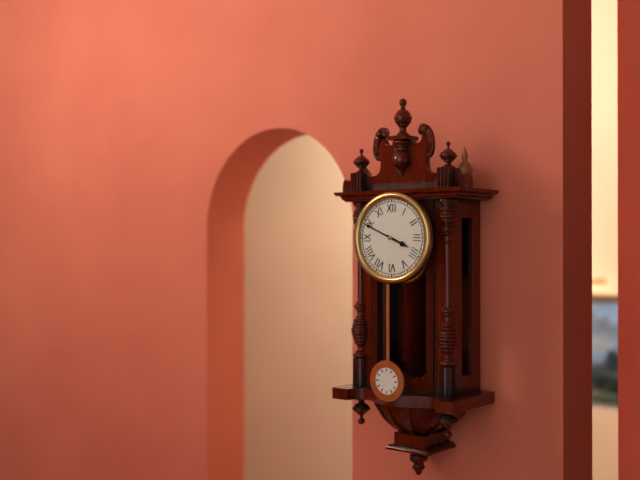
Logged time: **3:49**
